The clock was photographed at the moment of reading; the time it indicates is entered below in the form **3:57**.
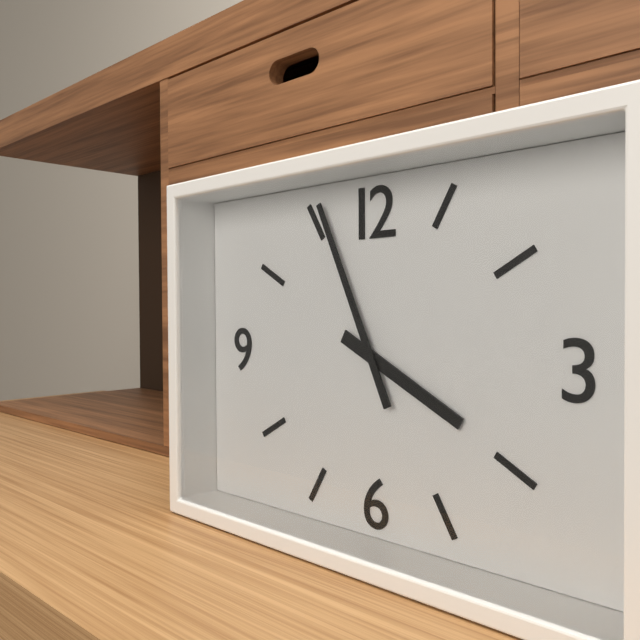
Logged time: **3:56**
